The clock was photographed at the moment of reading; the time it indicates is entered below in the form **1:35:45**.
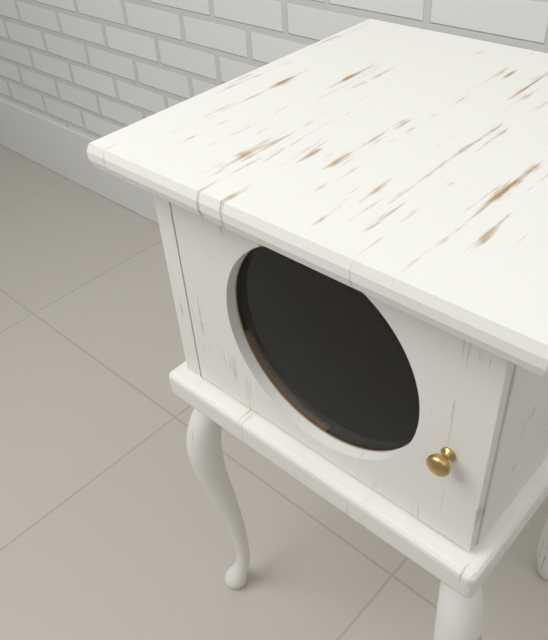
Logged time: **7:33:53**
